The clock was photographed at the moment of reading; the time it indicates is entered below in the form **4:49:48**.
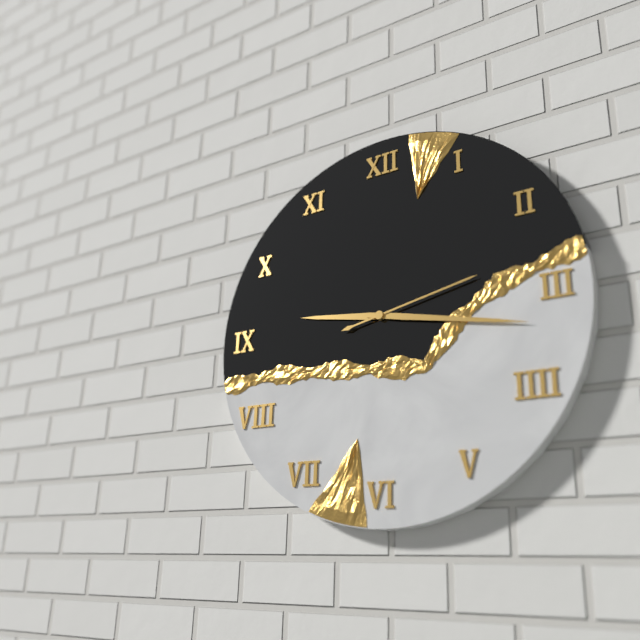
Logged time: **9:17:13**
